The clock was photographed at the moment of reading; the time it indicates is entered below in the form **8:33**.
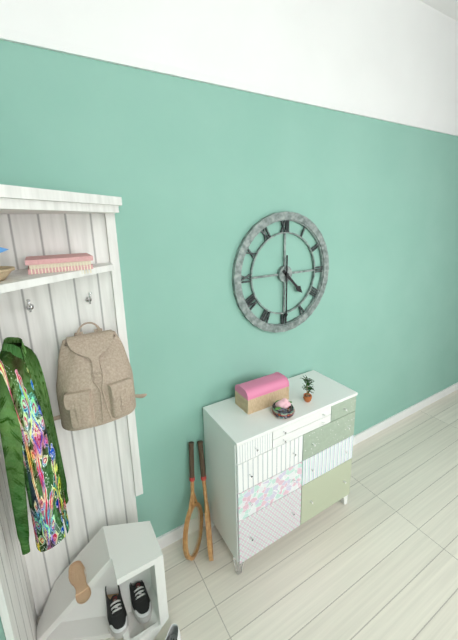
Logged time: **4:30**
